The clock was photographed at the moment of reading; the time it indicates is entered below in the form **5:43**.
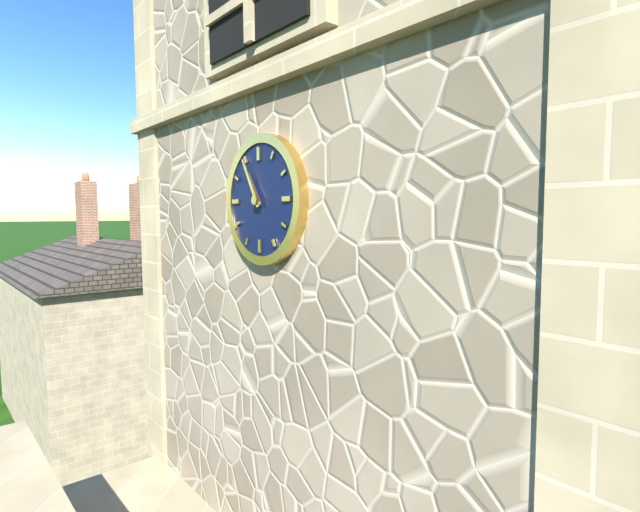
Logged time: **10:55**
